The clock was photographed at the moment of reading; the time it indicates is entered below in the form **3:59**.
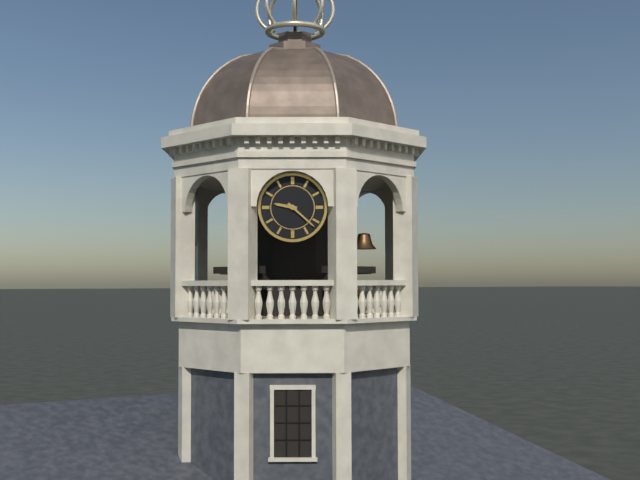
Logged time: **9:22**
